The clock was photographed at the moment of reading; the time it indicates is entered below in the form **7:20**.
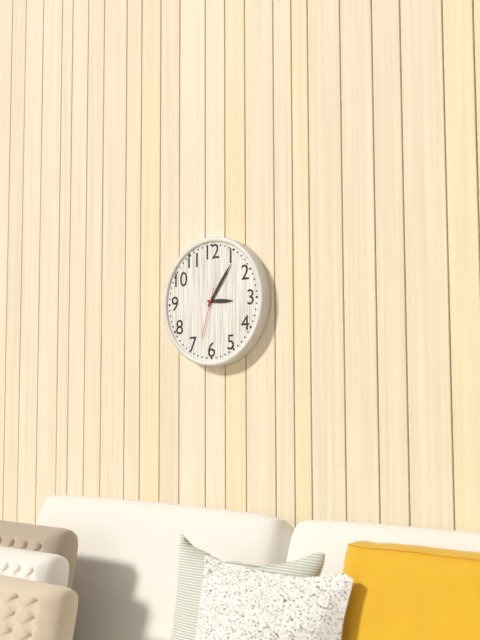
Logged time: **3:06**
